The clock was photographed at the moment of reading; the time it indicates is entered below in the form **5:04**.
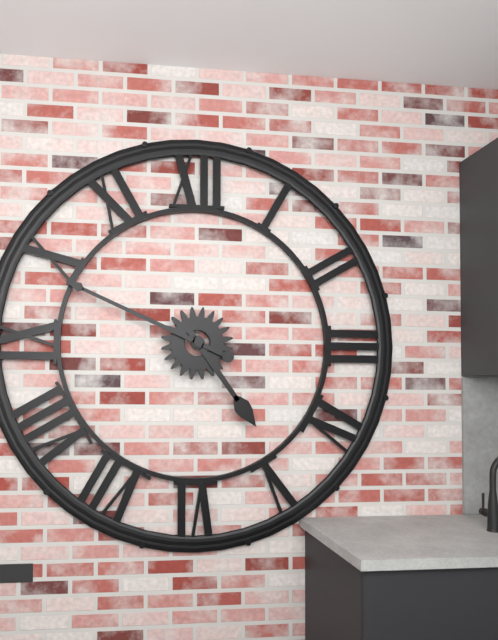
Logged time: **4:49**
